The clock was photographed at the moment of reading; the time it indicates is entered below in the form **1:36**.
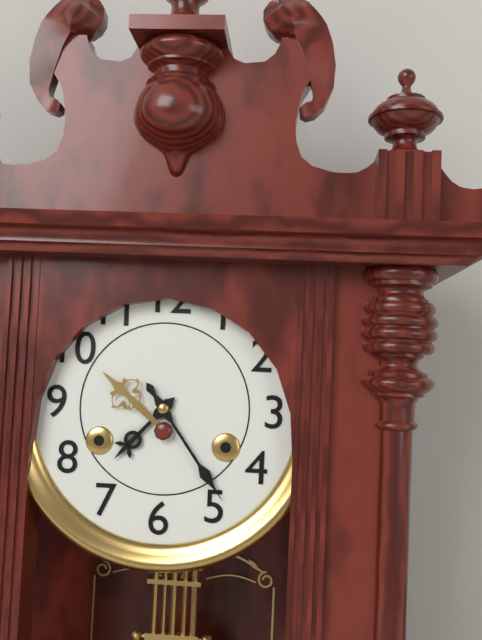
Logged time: **7:24**
